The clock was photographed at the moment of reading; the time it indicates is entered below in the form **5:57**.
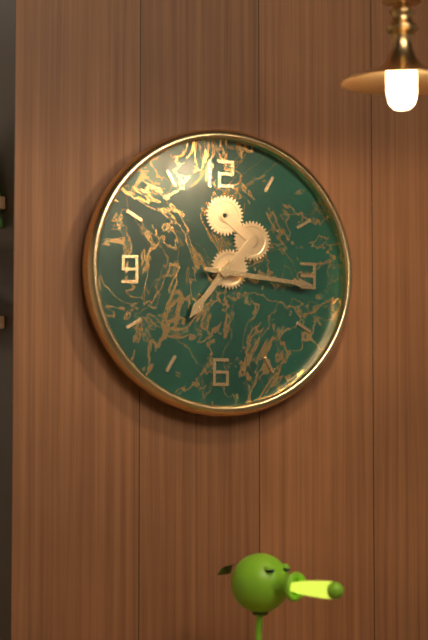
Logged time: **7:16**
